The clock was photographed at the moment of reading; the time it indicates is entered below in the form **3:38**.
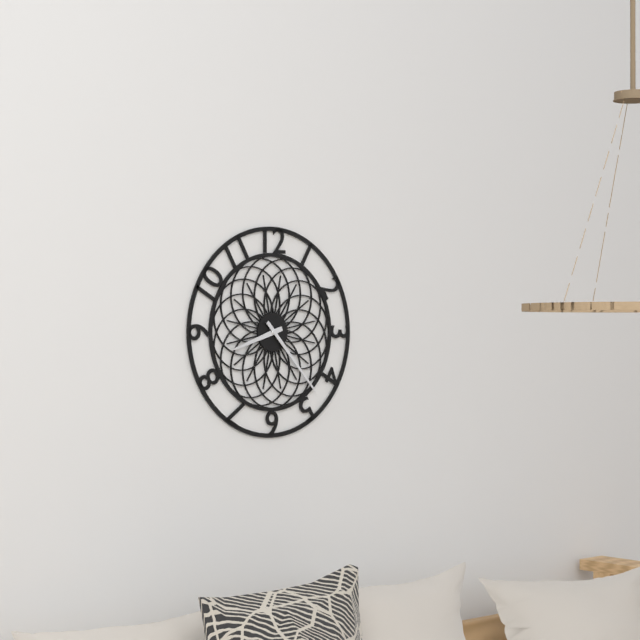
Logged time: **8:23**
